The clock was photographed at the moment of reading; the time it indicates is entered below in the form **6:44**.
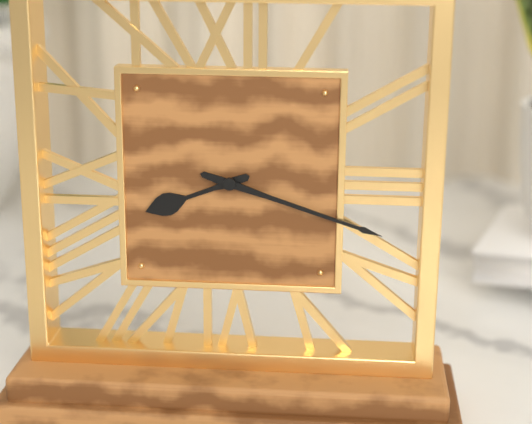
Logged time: **8:18**
